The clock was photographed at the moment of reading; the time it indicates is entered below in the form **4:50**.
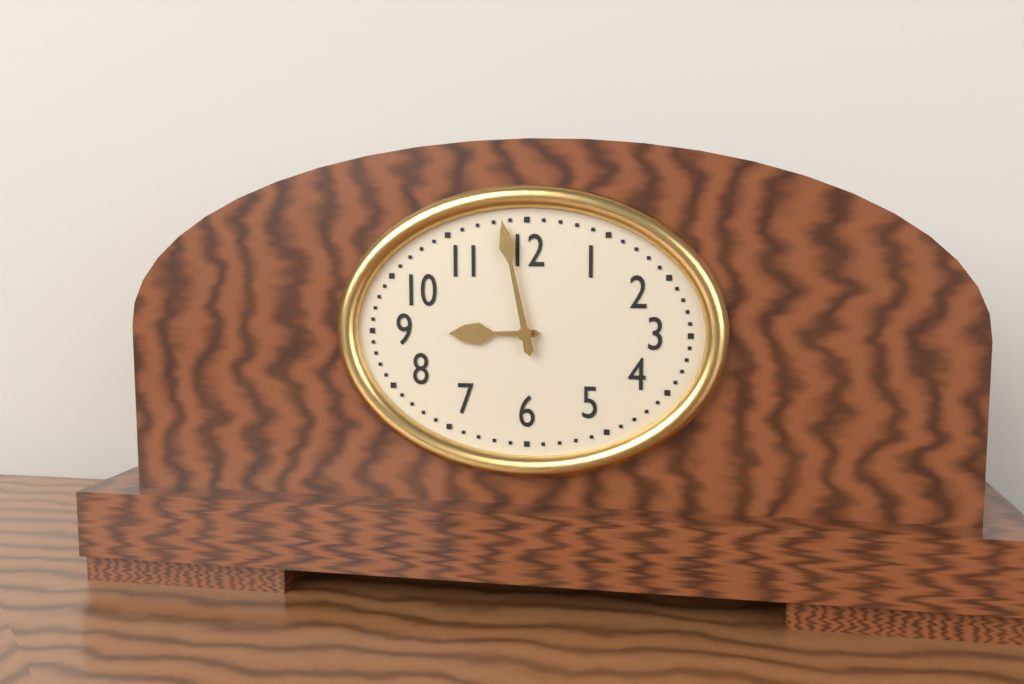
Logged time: **8:58**
